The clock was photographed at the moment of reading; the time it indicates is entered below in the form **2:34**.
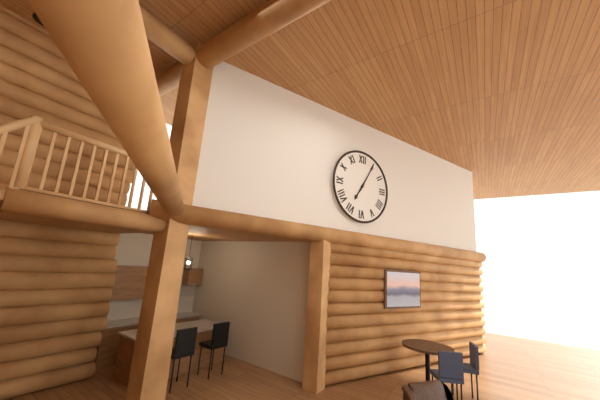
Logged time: **7:05**
